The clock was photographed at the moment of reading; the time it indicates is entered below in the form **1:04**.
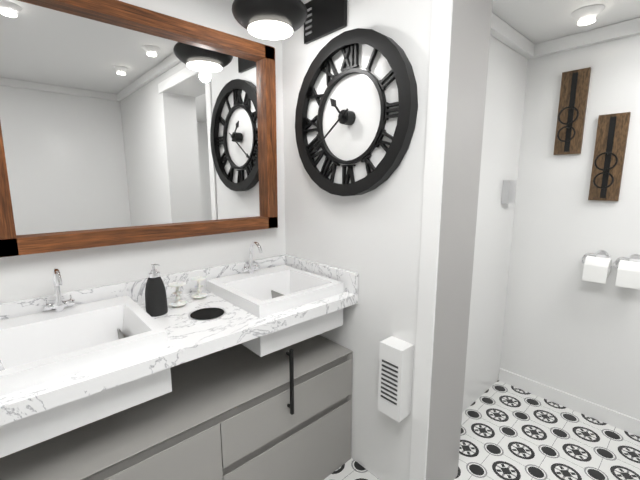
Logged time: **10:39**
